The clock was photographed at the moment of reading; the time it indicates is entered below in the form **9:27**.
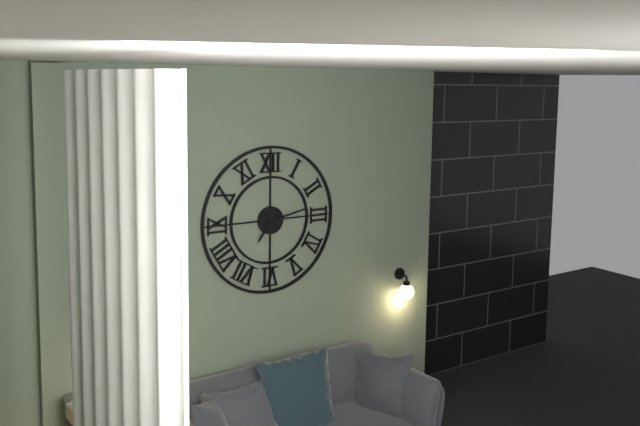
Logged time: **7:13**
